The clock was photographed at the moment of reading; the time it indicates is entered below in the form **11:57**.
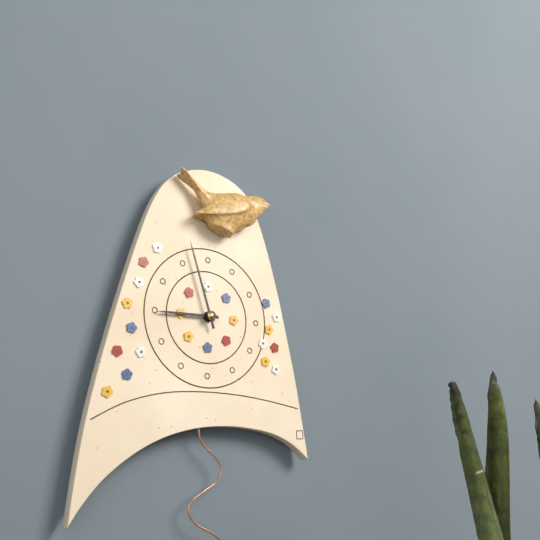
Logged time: **8:57**
